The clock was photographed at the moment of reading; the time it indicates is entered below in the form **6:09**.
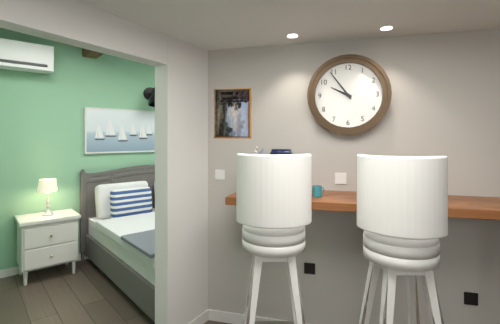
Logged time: **9:54**
